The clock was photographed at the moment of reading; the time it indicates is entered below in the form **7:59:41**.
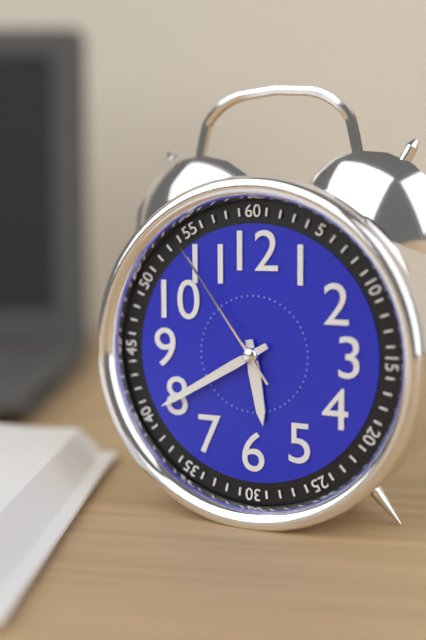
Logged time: **5:40:54**
